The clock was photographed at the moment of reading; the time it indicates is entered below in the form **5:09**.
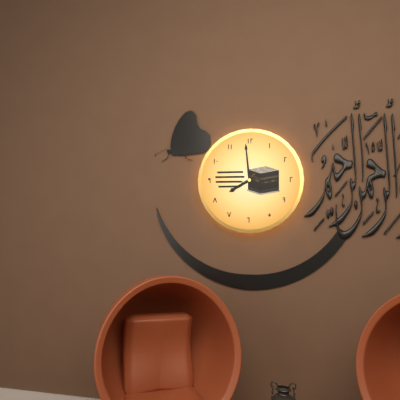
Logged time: **7:59**
